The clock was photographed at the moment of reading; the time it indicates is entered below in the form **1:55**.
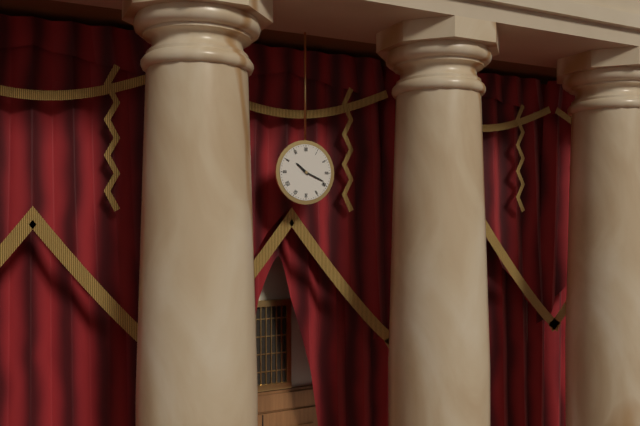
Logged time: **10:19**
